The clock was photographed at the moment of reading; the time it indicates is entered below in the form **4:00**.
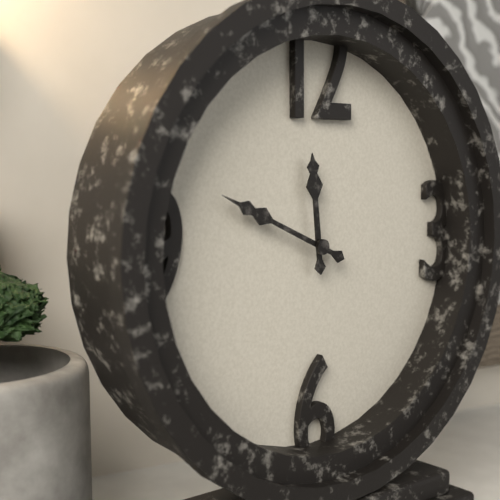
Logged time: **11:49**
